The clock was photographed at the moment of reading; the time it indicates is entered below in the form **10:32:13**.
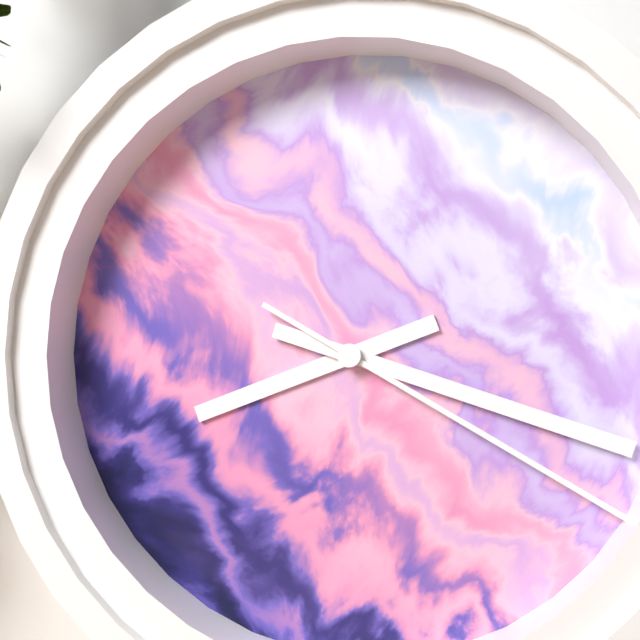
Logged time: **8:18:20**
